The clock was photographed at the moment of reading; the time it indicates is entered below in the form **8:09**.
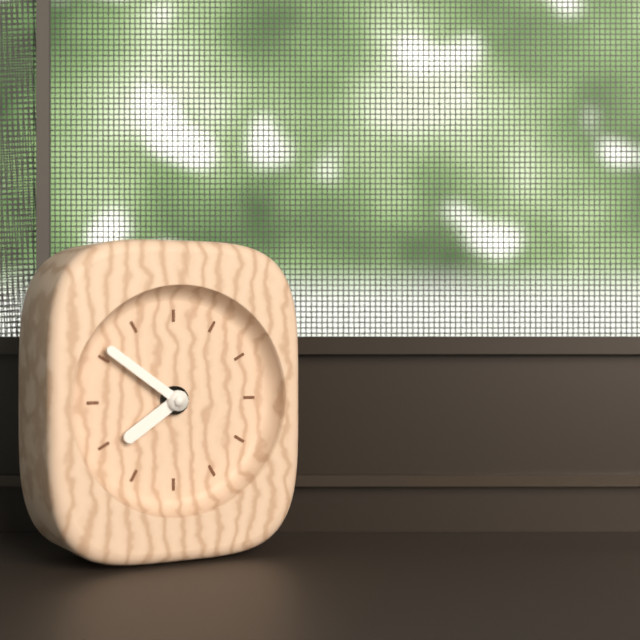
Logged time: **7:51**
